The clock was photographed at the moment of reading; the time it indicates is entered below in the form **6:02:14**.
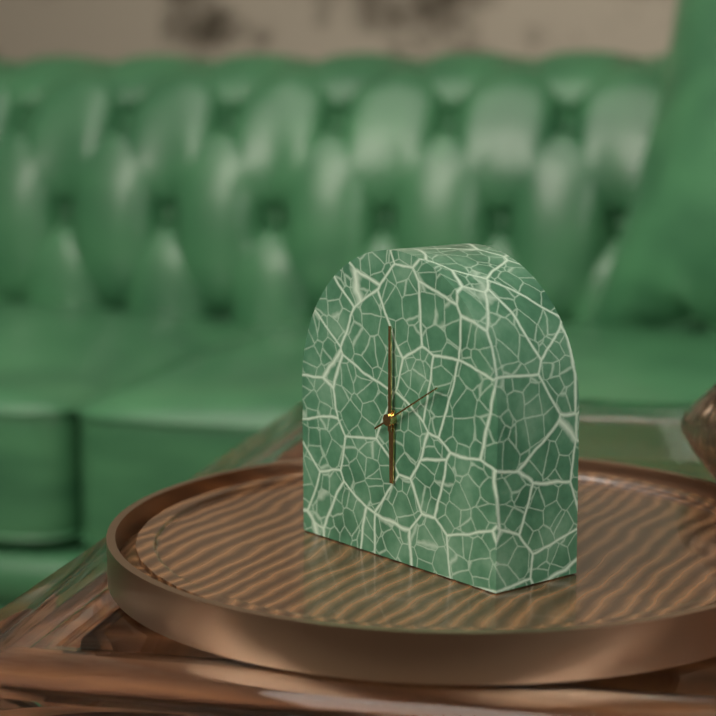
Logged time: **6:00:10**
